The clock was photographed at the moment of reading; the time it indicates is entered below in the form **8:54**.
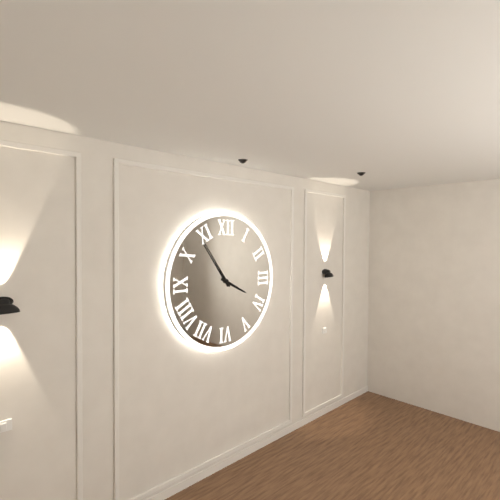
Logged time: **3:54**
